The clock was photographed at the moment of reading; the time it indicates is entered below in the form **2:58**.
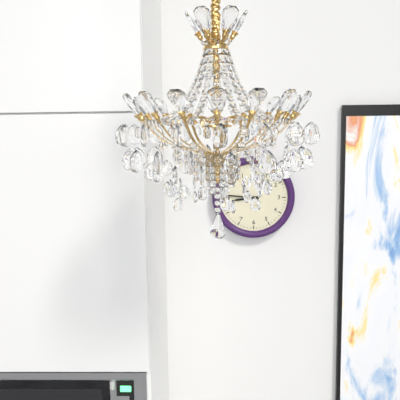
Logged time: **8:46**
